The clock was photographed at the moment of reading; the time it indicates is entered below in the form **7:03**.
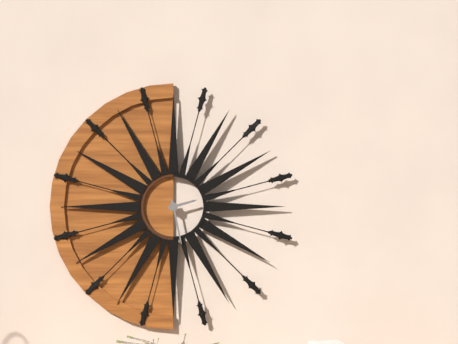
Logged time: **2:28**
